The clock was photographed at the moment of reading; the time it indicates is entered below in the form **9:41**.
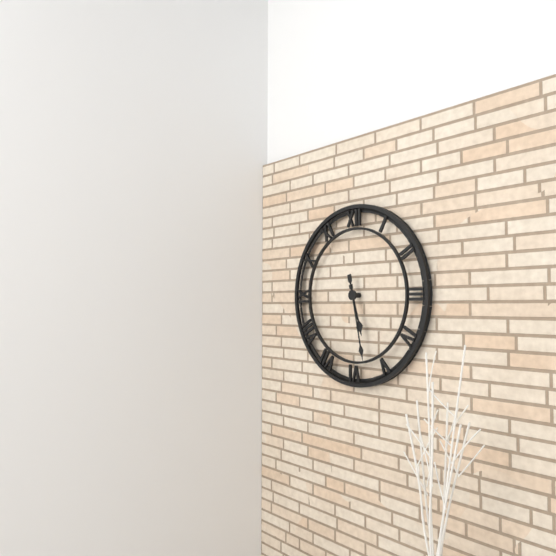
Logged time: **5:28**
